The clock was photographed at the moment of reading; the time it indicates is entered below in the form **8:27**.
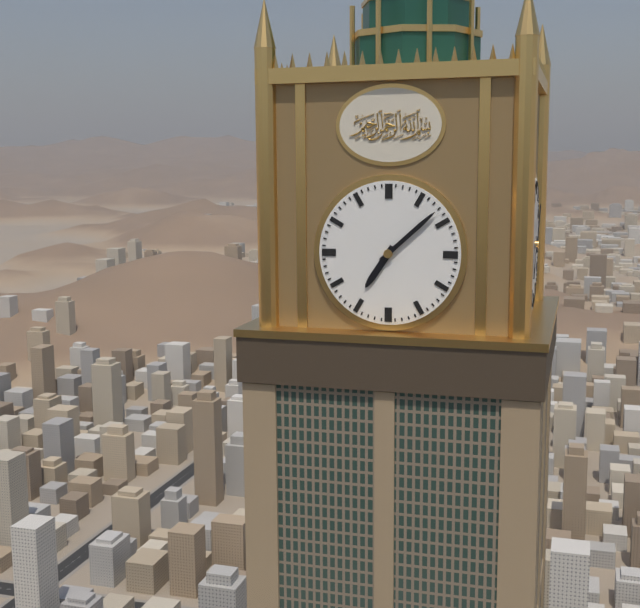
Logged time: **7:08**
